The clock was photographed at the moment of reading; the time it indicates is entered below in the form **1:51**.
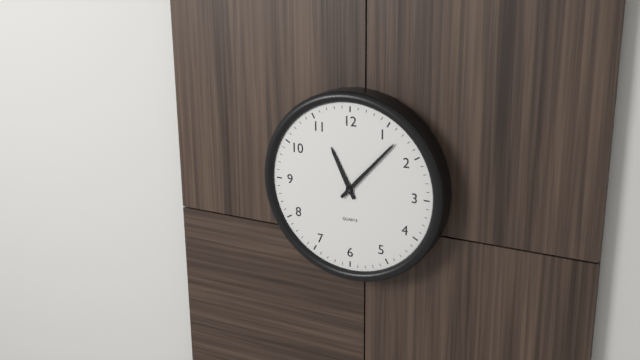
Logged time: **11:07**
